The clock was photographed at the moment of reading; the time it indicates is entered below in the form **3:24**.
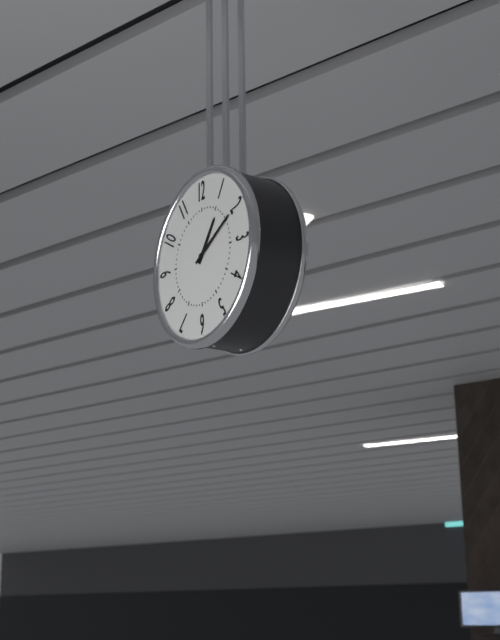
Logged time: **1:10**
